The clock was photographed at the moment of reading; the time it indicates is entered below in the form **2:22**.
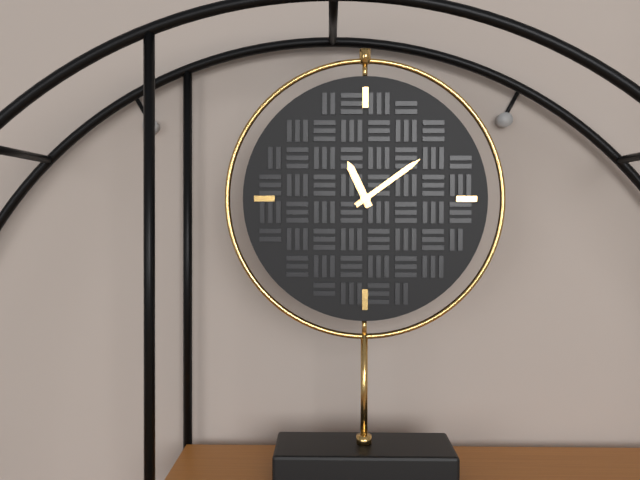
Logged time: **11:09**
